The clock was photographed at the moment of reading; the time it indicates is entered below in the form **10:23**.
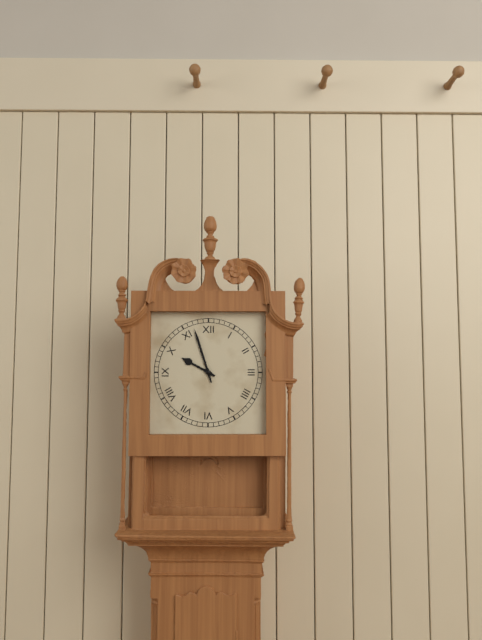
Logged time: **9:57**
